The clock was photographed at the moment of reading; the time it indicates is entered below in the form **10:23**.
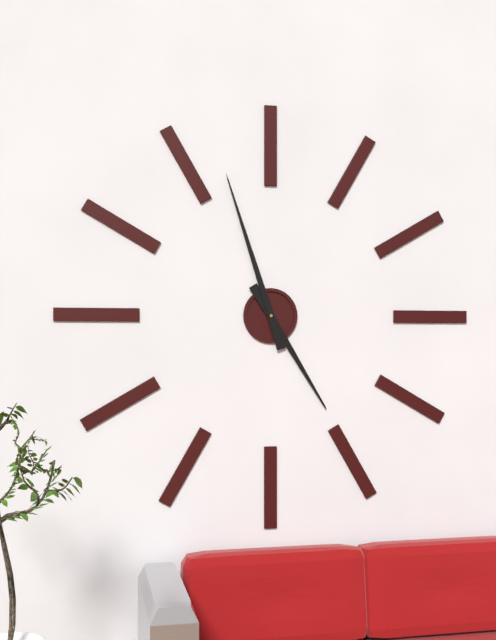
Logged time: **4:57**
